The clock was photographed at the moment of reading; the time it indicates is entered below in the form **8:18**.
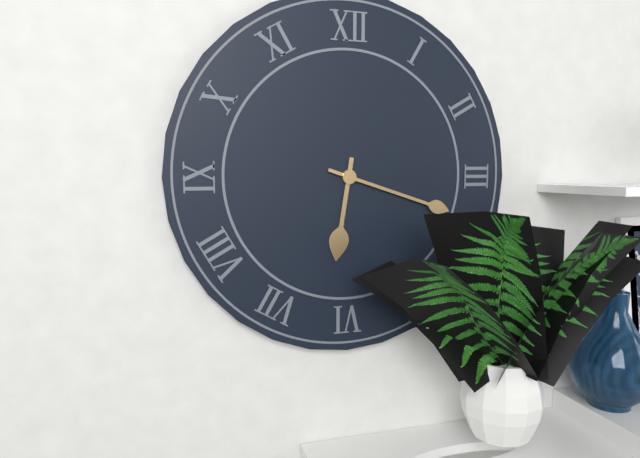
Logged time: **6:18**
